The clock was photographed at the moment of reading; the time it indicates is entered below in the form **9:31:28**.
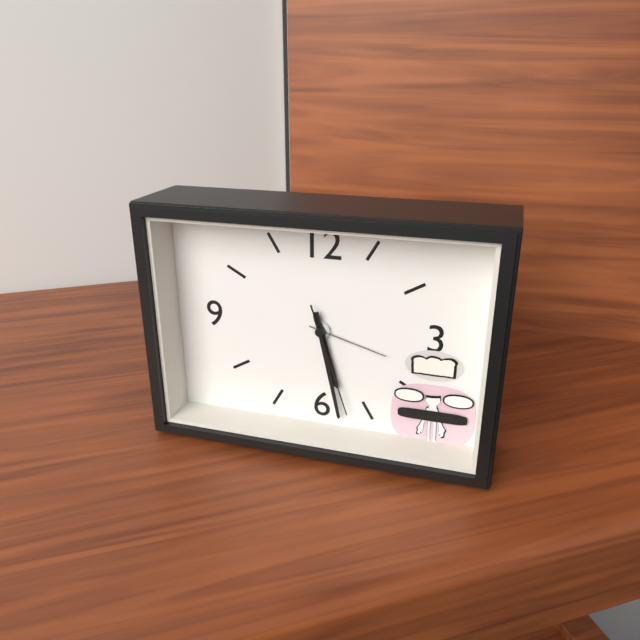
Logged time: **5:28:27**
